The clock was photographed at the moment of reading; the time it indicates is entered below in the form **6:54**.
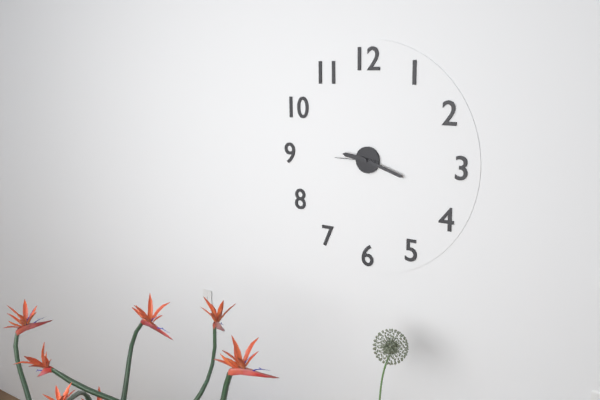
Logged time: **9:18**
